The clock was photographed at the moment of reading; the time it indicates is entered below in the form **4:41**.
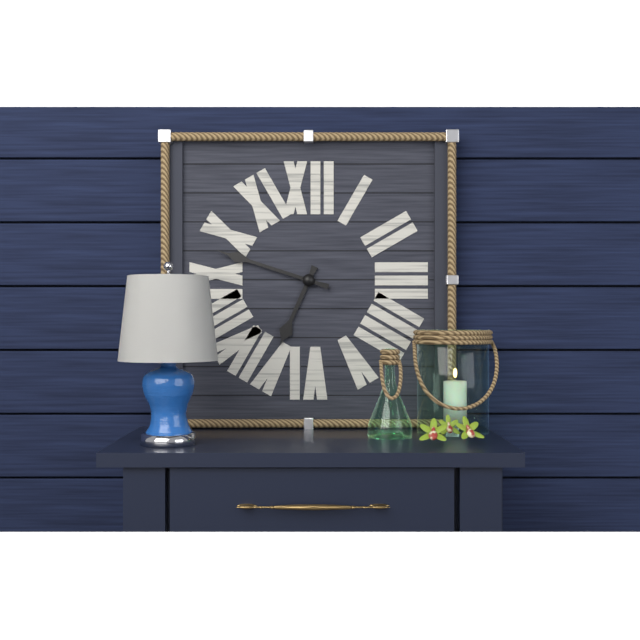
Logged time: **6:48**
